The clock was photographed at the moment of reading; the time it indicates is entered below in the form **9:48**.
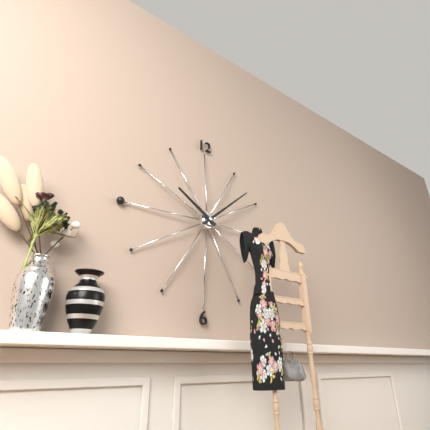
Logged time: **10:08**
